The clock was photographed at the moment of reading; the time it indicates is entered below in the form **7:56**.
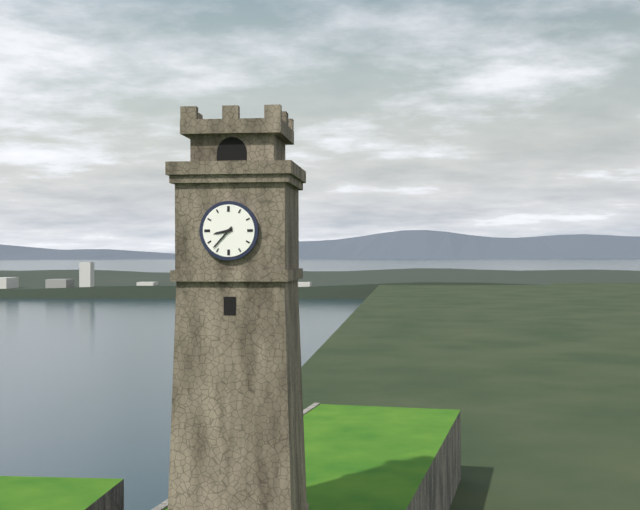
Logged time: **8:37**
